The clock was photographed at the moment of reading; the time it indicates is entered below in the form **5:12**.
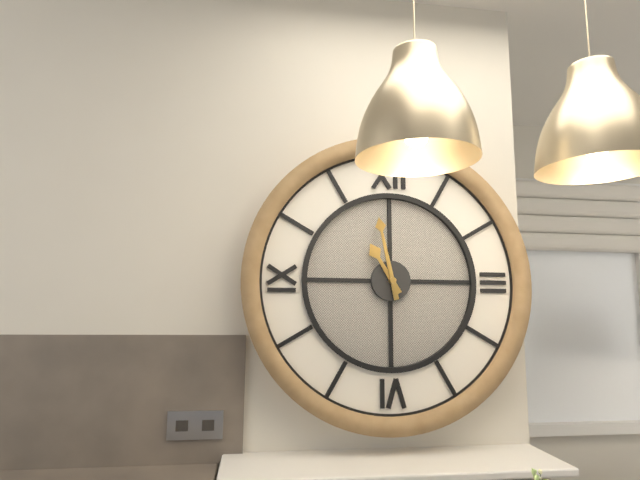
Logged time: **10:58**
